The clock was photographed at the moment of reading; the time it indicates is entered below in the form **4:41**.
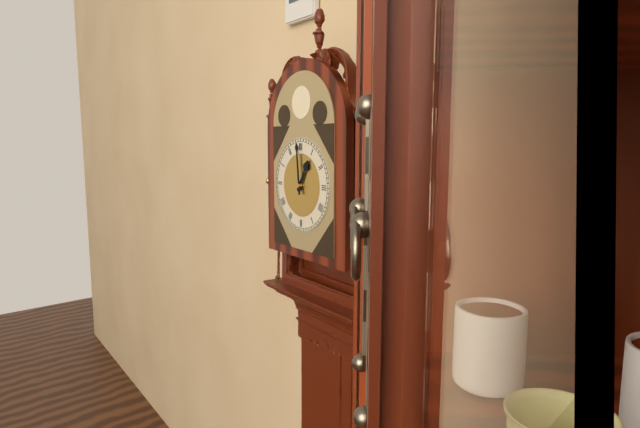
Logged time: **12:59**
